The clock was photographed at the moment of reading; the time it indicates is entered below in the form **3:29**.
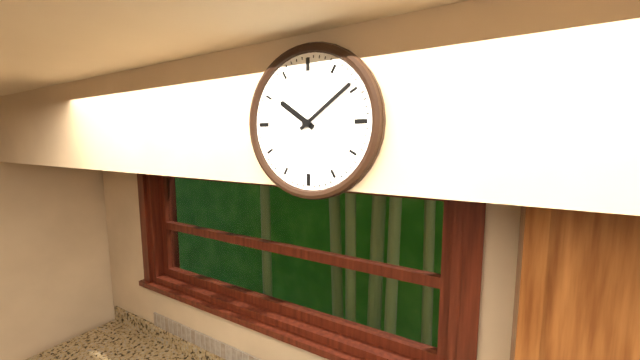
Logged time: **10:09**
